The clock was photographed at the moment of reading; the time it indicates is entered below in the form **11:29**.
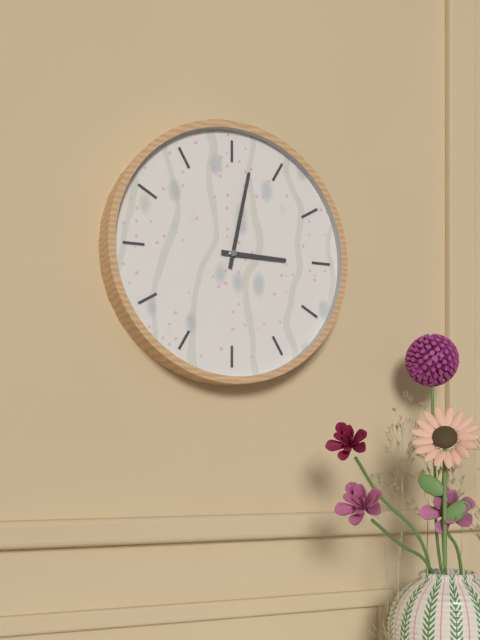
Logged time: **3:02**
